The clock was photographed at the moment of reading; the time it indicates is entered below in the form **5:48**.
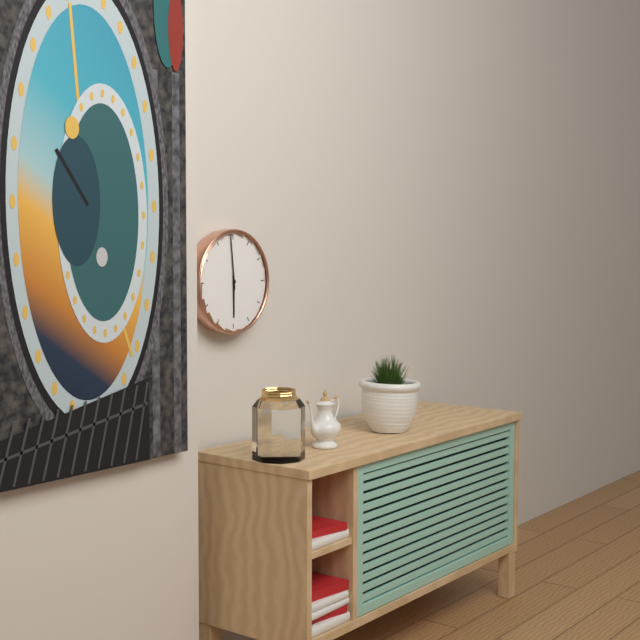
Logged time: **5:59**
